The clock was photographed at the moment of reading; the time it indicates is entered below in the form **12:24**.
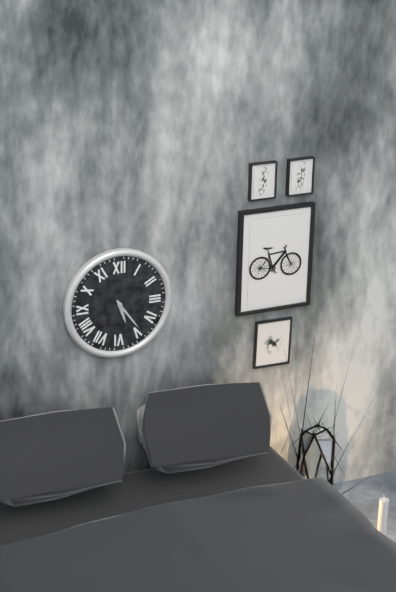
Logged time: **5:24**
